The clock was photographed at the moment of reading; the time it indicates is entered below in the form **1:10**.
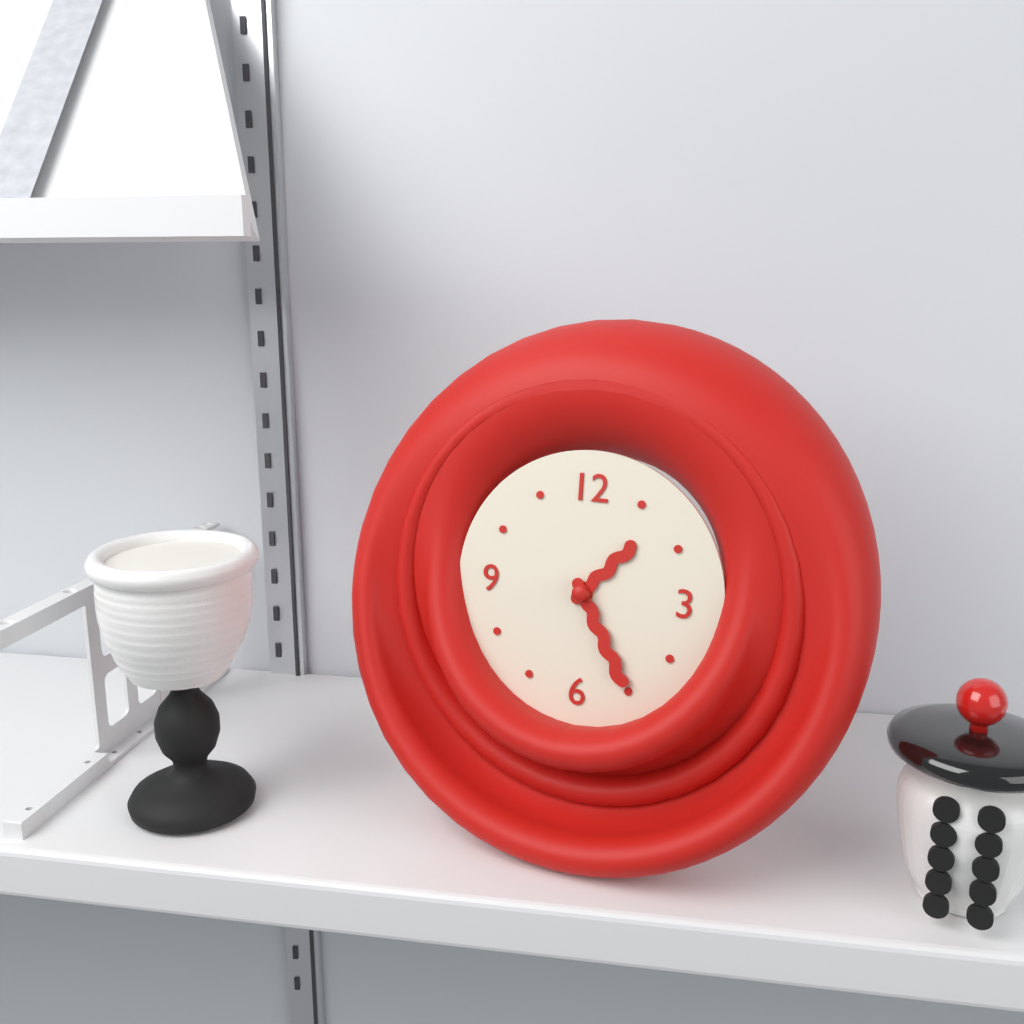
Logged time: **1:25**
